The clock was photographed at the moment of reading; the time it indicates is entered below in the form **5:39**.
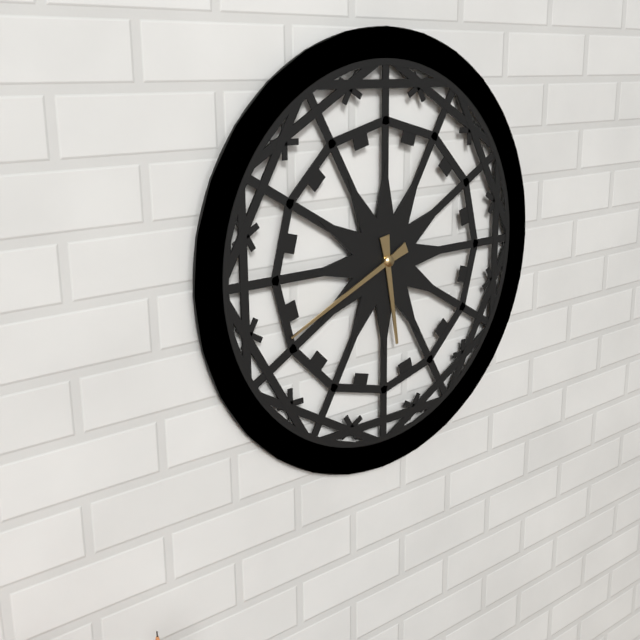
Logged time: **5:41**
